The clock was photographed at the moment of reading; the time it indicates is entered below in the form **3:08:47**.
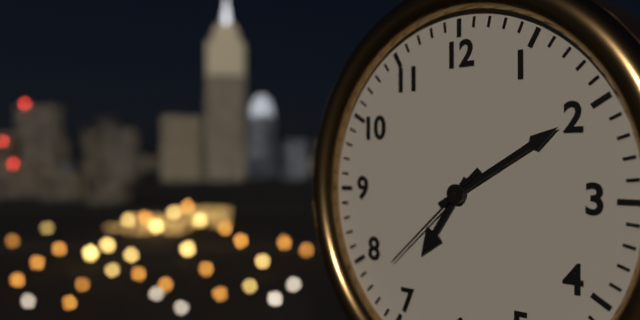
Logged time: **7:10:38**
